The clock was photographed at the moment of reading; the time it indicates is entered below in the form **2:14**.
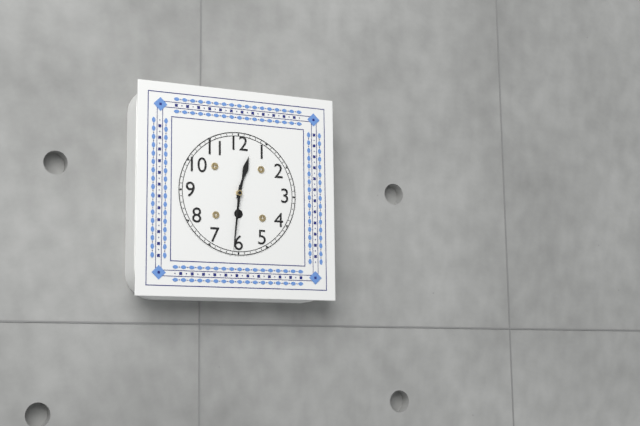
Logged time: **12:31**
